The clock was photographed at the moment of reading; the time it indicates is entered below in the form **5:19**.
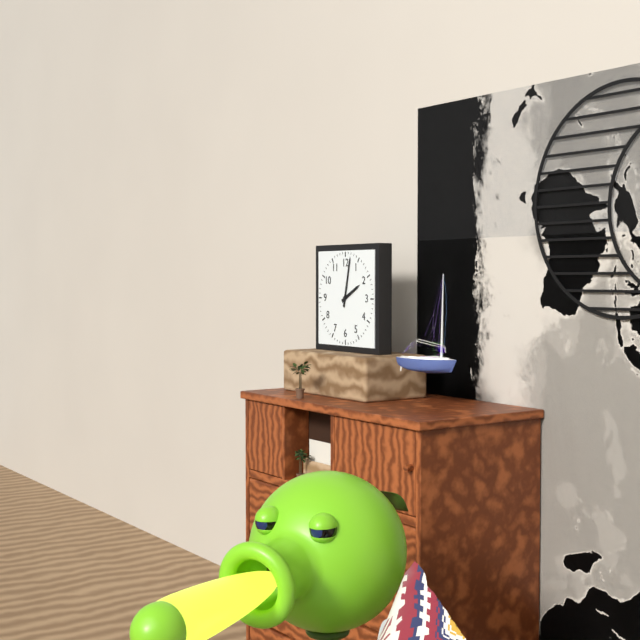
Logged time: **2:02**
